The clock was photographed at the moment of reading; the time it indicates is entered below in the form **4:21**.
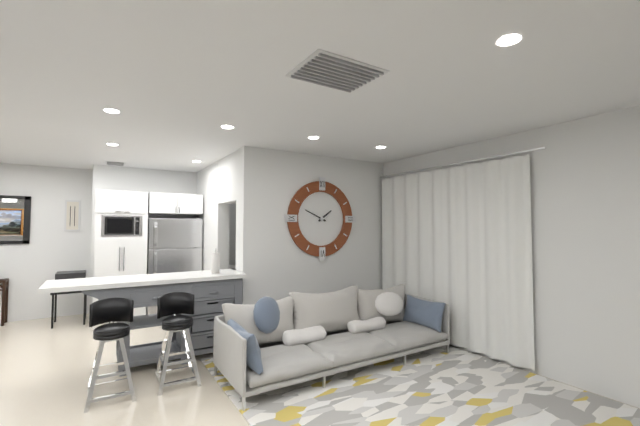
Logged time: **1:49**
